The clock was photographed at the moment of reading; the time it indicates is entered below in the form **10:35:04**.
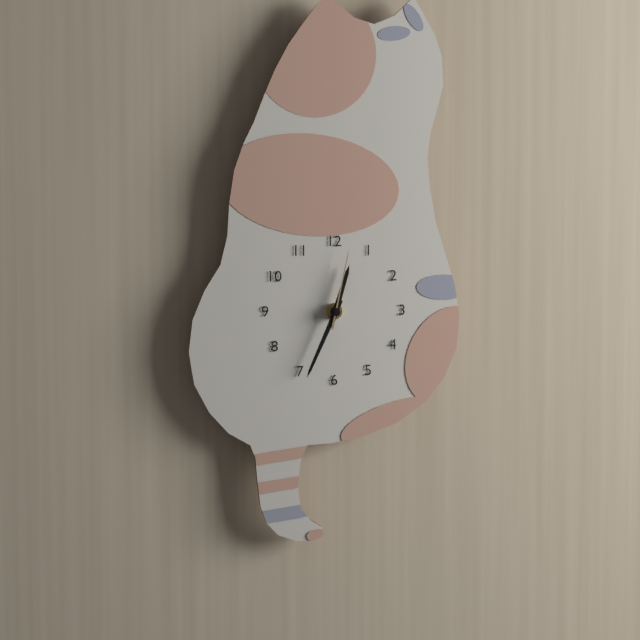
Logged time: **12:34:02**
